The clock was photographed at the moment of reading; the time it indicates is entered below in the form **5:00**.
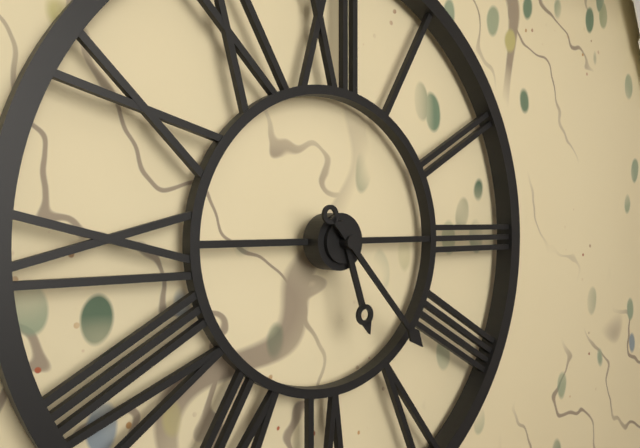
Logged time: **5:23**
